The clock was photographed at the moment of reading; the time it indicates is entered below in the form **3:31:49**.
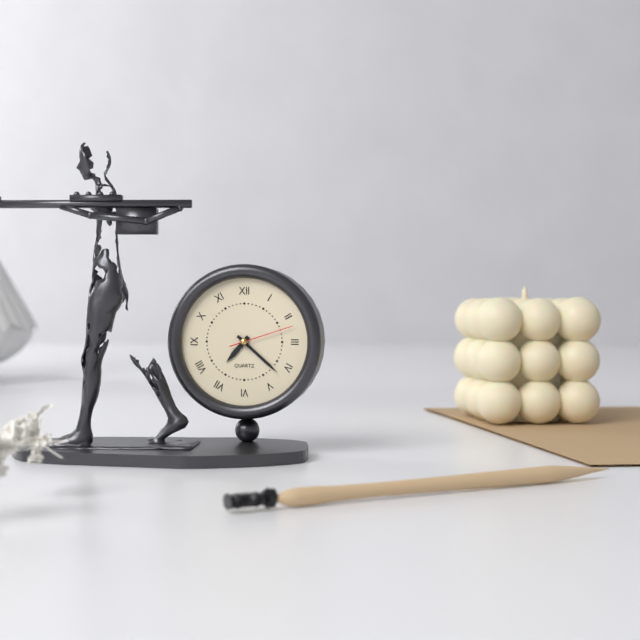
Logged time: **7:22:12**
